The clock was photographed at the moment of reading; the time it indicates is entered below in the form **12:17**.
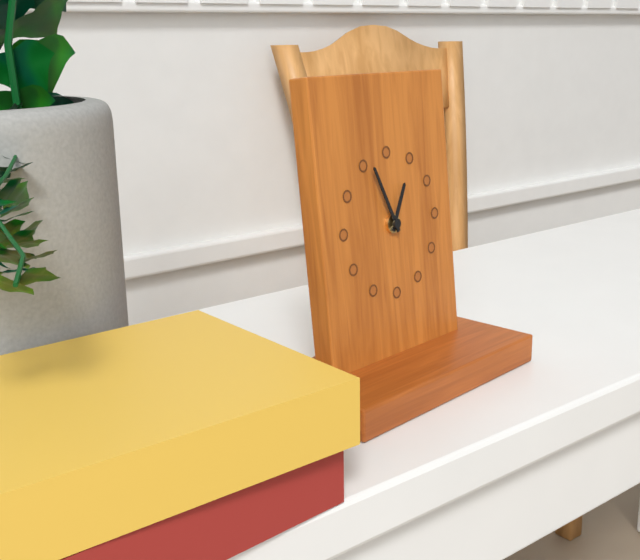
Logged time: **12:56**
